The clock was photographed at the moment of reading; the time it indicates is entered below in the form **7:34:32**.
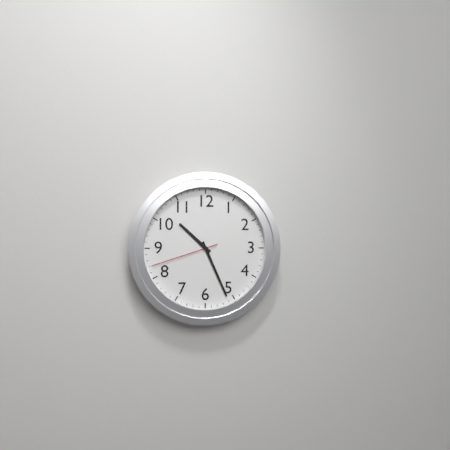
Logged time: **10:26:42**
